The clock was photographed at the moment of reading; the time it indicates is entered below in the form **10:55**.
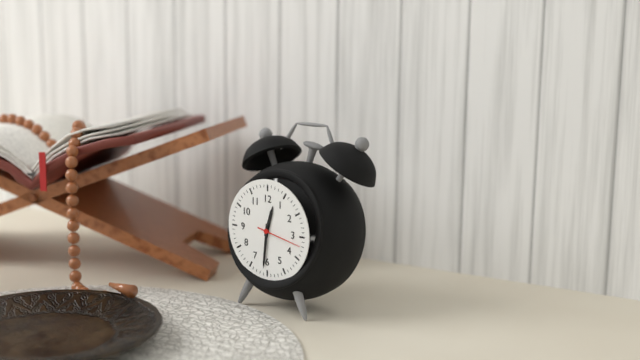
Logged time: **12:31**
